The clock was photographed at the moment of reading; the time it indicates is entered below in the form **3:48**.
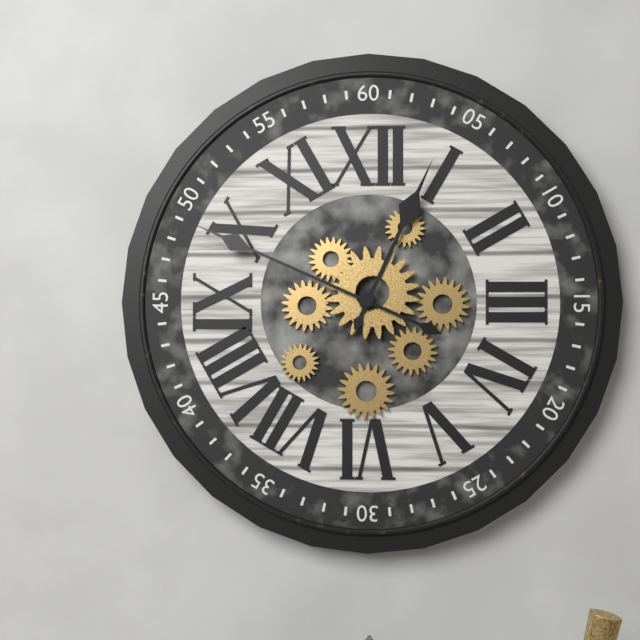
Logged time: **12:49**
